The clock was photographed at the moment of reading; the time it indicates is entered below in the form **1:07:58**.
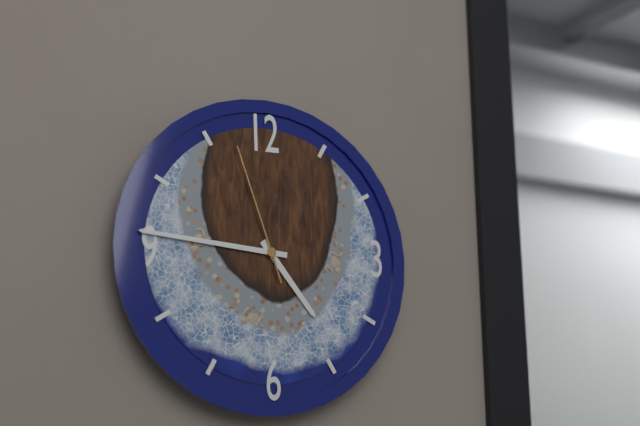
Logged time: **4:46:57**
